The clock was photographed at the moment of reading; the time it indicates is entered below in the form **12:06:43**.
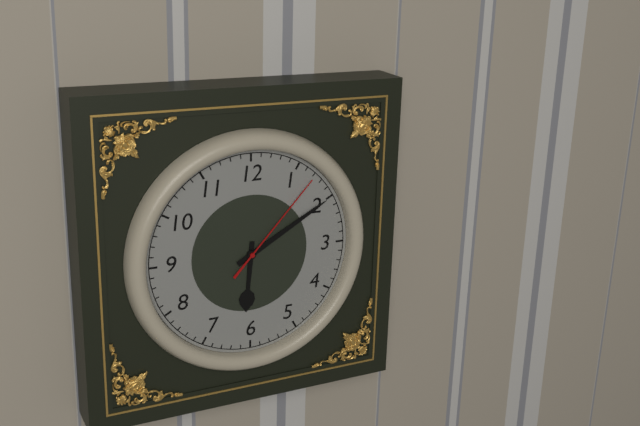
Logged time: **6:10:07**
